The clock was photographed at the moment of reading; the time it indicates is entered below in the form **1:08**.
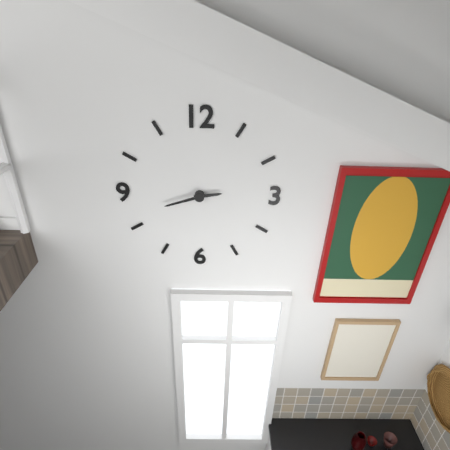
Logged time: **2:42**
